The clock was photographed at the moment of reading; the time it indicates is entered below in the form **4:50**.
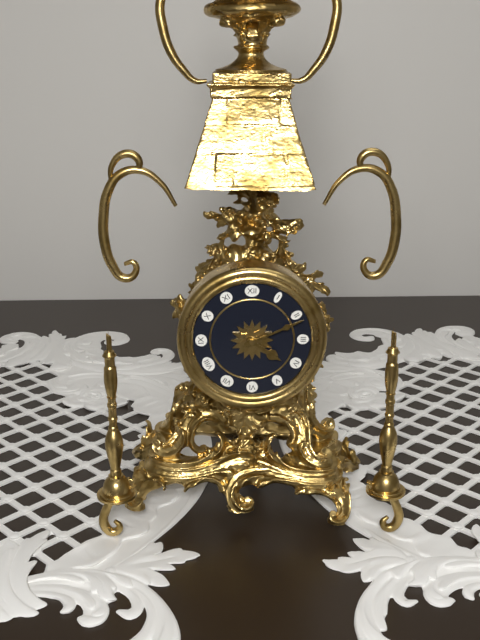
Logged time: **4:11**
